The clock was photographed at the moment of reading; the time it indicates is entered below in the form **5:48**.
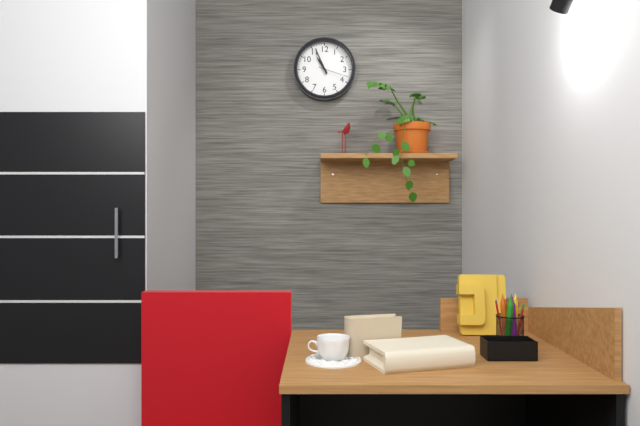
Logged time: **10:56**
